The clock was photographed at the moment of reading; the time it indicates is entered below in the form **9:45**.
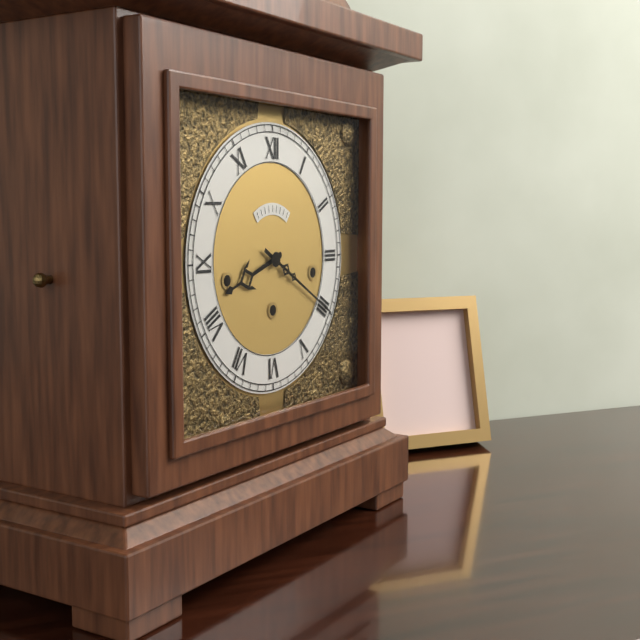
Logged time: **8:20**
